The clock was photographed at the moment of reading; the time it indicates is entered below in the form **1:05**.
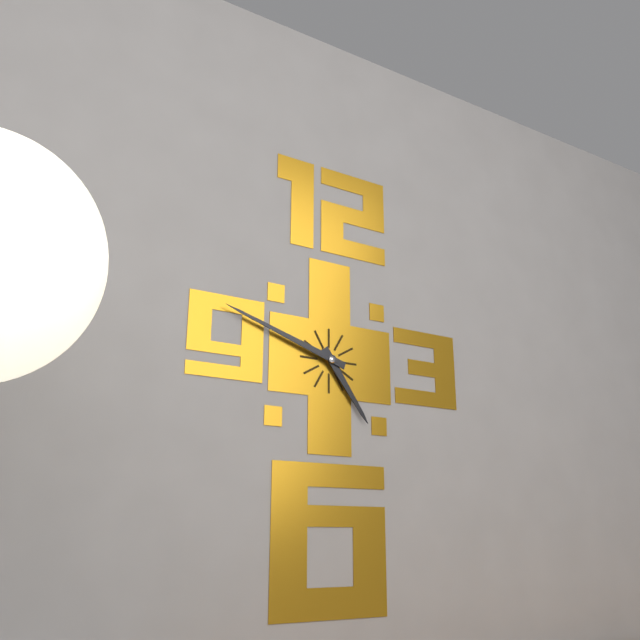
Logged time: **4:48**
